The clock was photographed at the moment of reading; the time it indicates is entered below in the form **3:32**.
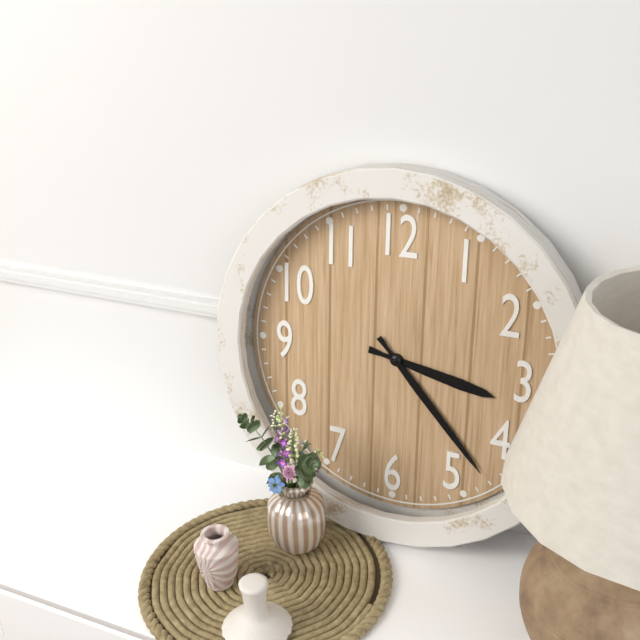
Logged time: **3:23**
